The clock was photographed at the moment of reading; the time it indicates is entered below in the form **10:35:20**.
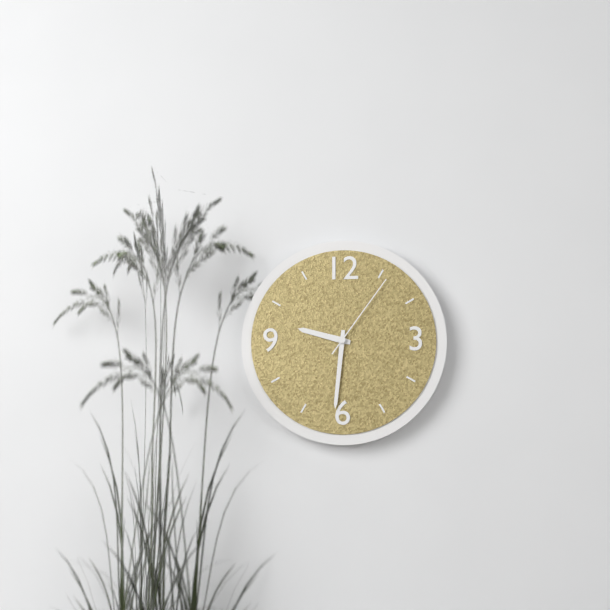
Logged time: **9:31:06**
